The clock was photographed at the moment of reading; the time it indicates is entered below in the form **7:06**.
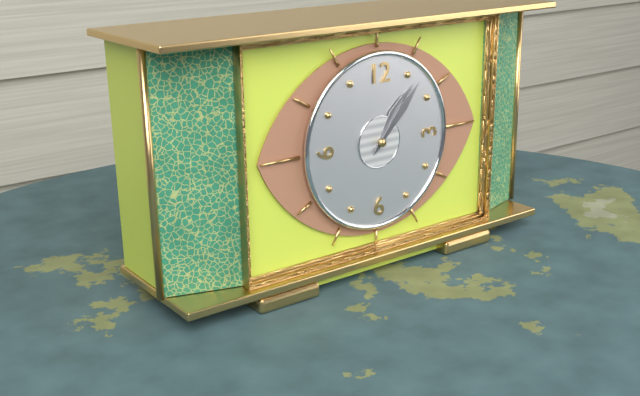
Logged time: **1:07**
